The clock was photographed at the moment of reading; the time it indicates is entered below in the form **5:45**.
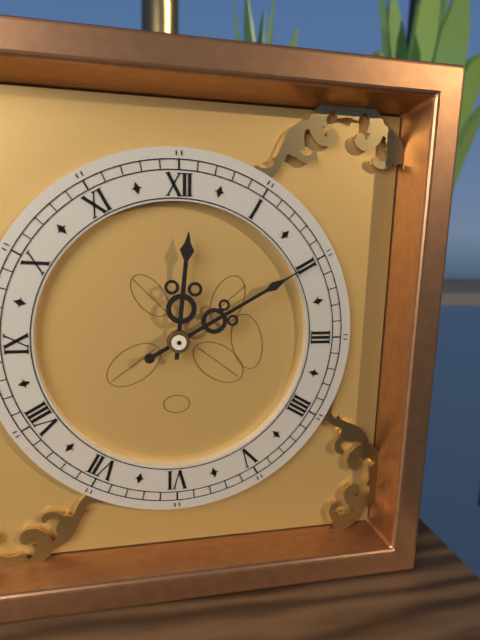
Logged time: **12:10**
